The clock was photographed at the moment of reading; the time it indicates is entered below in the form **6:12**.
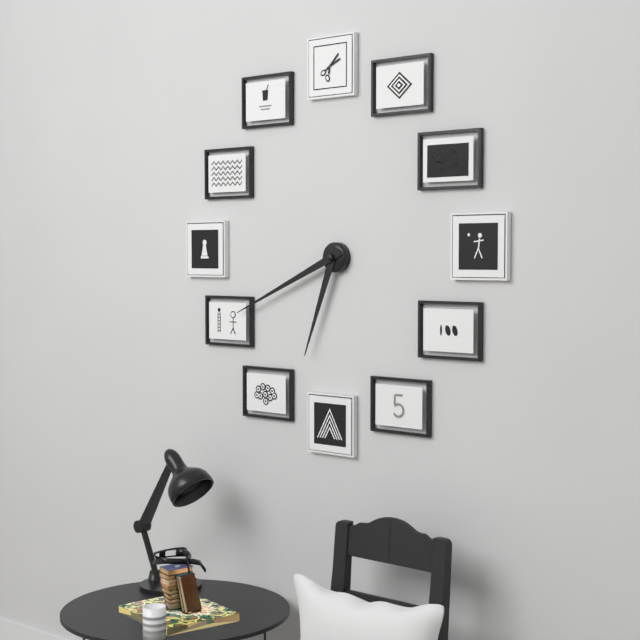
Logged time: **6:41**
